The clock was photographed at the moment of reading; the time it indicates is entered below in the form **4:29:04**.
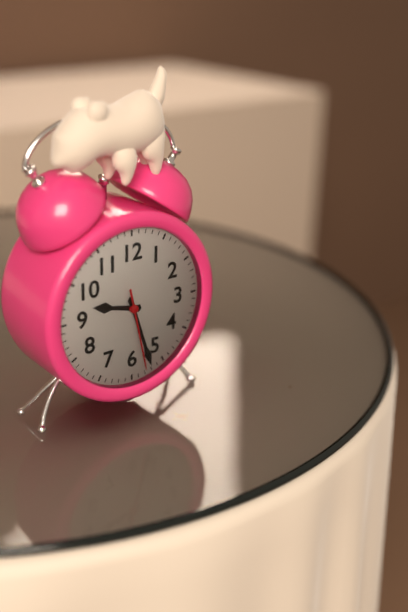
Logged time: **9:27:28**
